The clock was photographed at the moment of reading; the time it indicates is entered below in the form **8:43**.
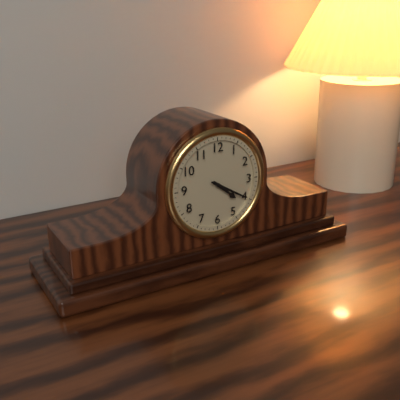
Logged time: **4:20**
